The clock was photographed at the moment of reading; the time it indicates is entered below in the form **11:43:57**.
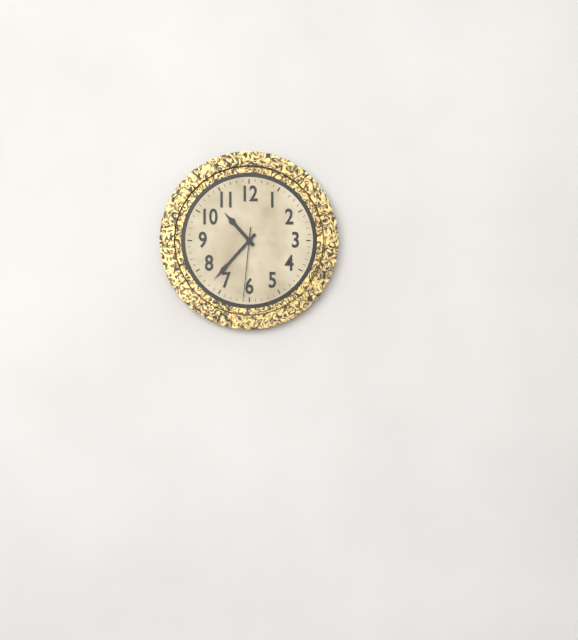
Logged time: **10:37:31**
